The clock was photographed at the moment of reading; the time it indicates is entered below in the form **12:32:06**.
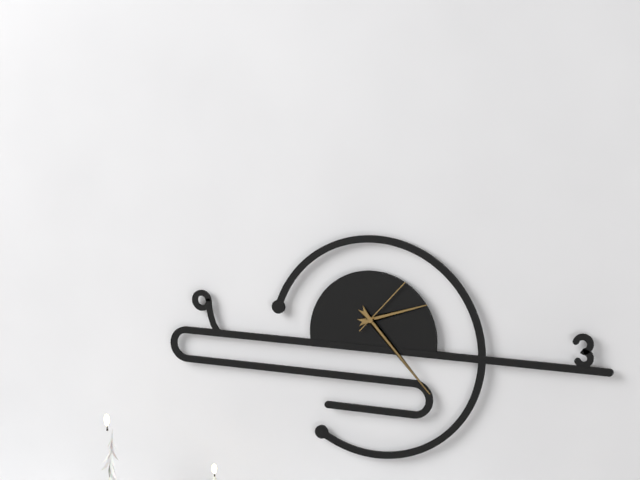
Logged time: **2:23:07**
